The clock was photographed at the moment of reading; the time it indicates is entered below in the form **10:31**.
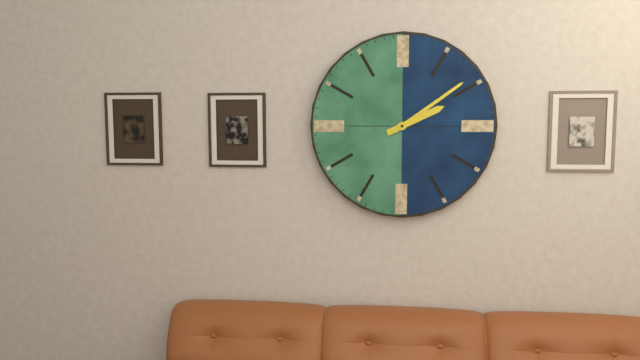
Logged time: **2:09**
